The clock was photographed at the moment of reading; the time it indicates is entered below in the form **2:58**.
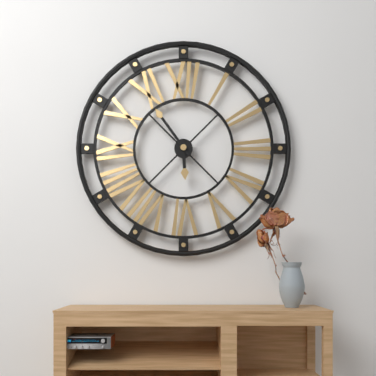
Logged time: **5:54**
